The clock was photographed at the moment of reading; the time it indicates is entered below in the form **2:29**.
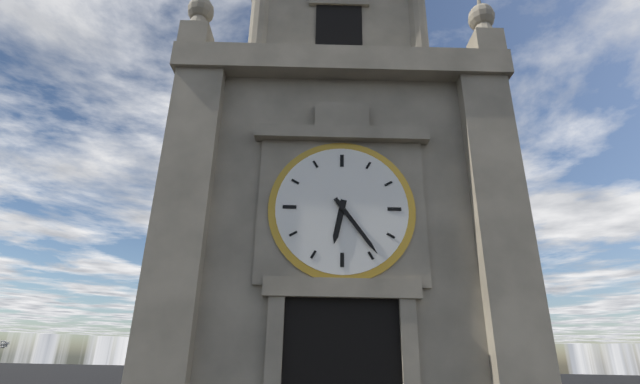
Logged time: **6:24**
